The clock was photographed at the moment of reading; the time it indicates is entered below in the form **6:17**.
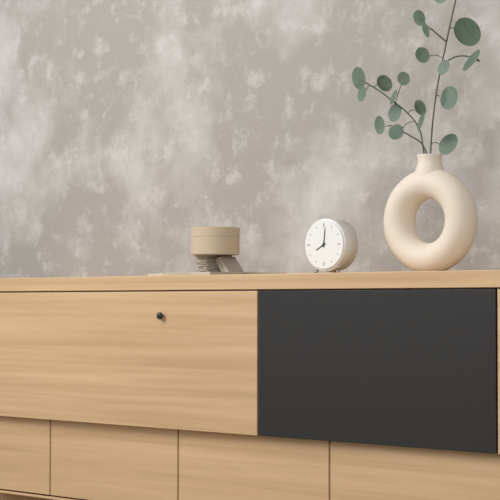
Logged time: **8:01**
